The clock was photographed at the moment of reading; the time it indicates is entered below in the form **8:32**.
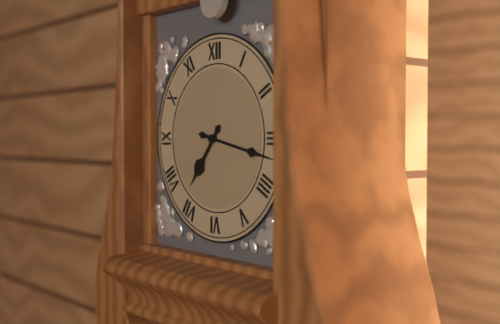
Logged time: **7:17**
